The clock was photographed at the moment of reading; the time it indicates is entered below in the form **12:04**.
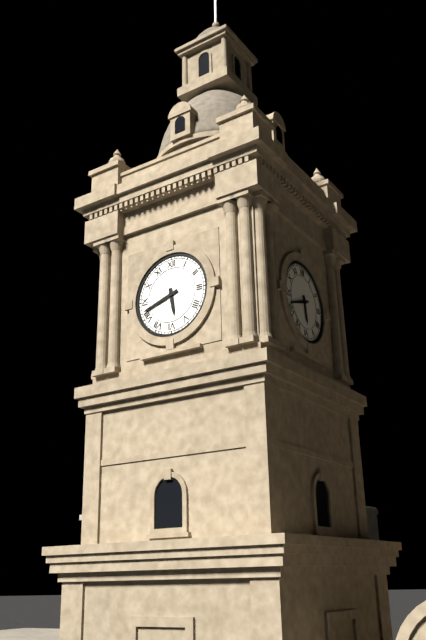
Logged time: **5:42**
